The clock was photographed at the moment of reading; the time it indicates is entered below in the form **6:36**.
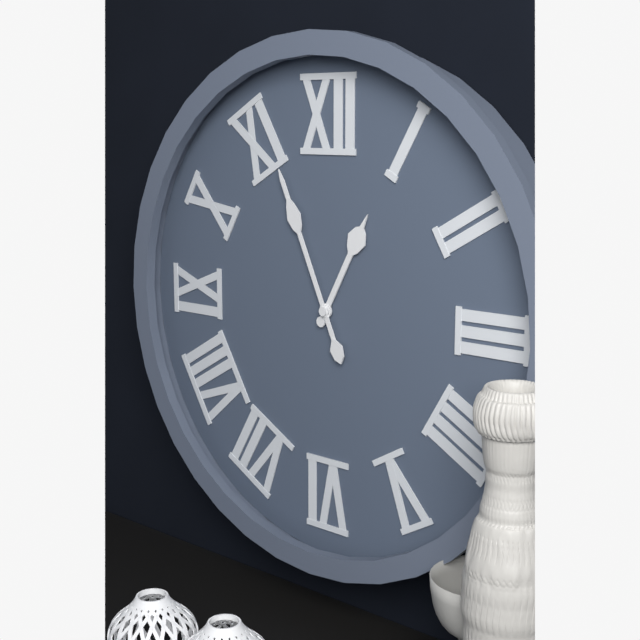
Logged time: **12:56**
